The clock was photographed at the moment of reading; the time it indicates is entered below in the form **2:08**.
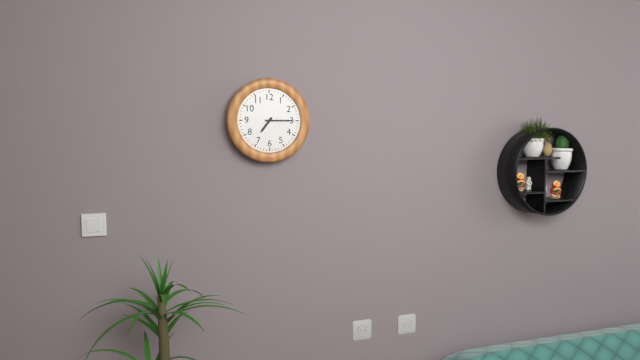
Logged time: **7:15**
